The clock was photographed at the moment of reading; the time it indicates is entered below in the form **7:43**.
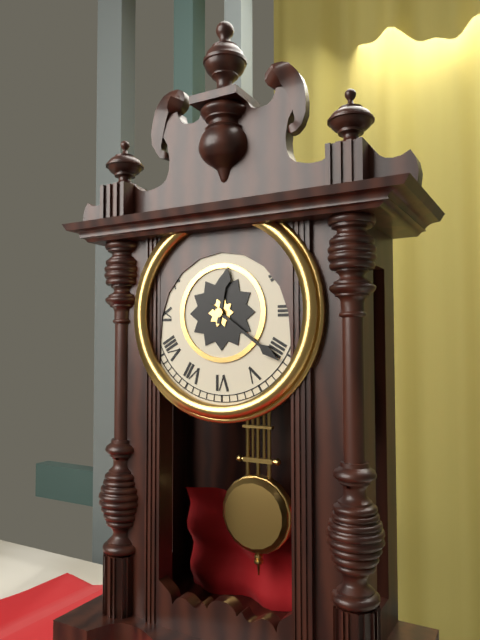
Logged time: **12:21**
